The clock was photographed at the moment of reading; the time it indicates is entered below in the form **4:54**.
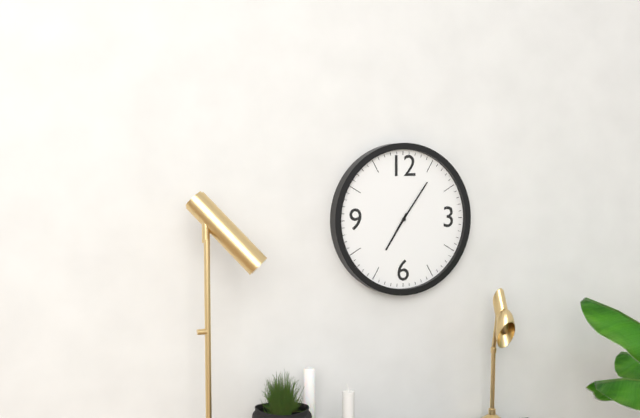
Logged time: **7:06**
